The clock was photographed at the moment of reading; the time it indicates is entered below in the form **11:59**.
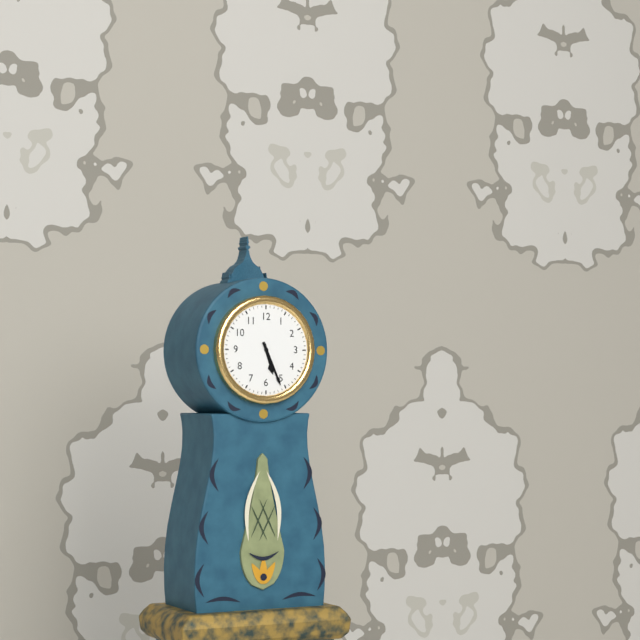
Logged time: **5:26**
